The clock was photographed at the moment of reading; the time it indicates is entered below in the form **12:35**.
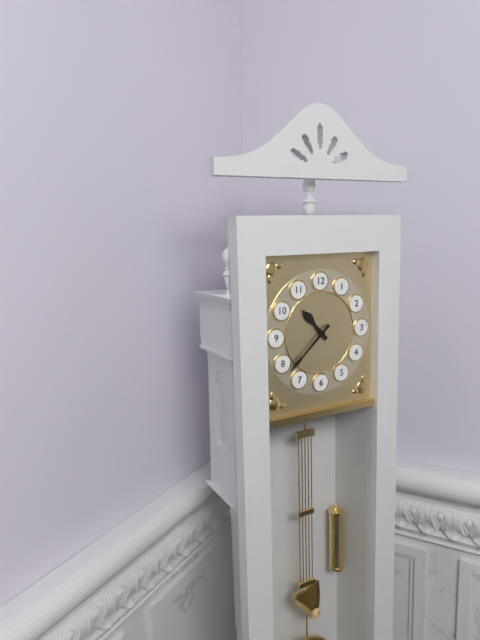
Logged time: **10:38**
